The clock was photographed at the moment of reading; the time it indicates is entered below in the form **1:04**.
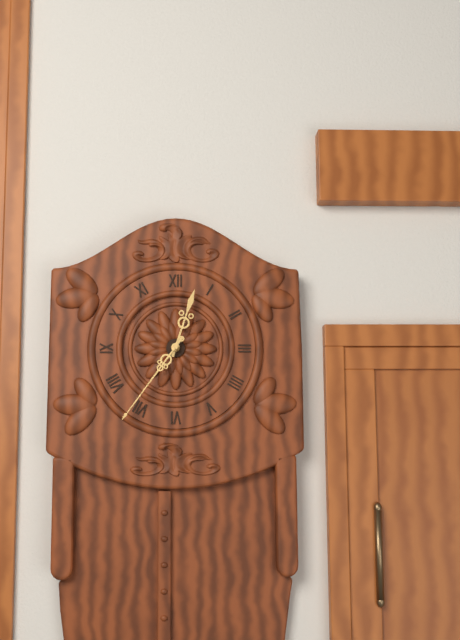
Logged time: **12:36**
